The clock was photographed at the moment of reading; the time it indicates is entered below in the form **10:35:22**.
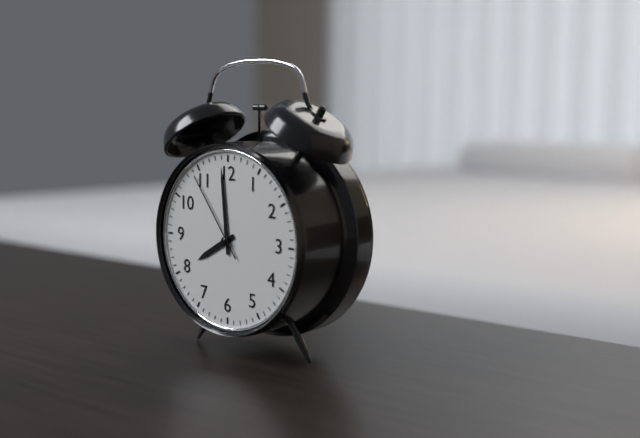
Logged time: **7:59:54**
